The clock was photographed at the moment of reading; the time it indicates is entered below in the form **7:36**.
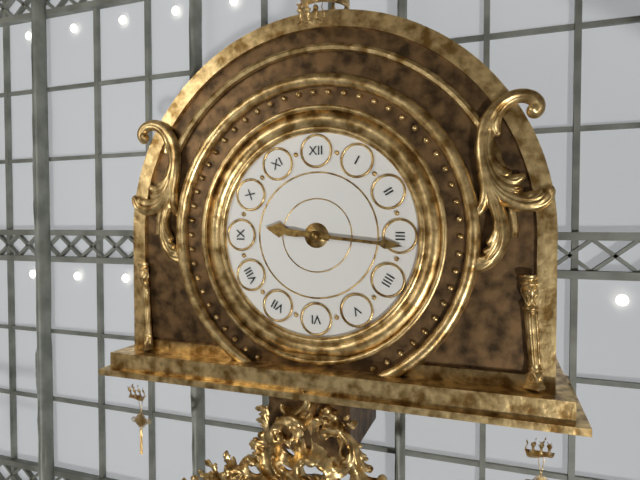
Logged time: **9:16**
